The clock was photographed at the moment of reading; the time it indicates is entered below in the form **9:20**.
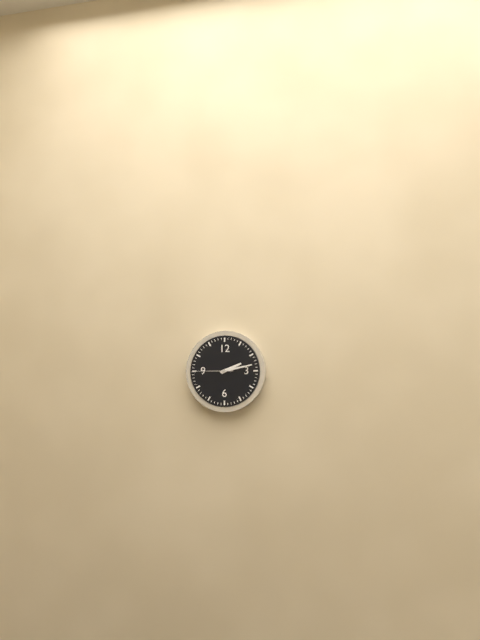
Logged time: **2:13**
